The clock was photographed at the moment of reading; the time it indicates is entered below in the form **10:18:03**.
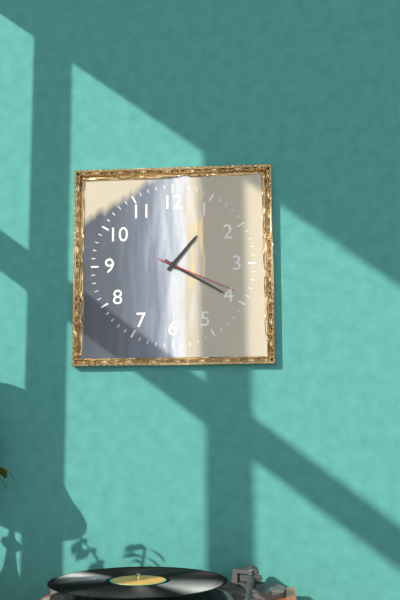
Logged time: **1:20:19**
